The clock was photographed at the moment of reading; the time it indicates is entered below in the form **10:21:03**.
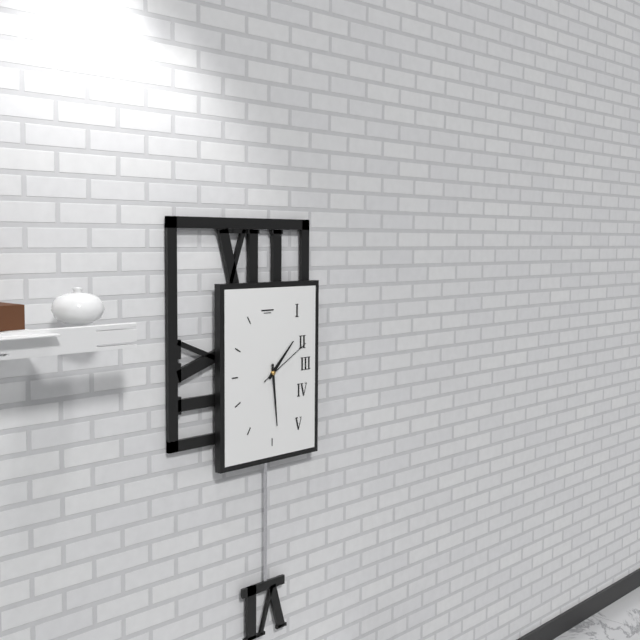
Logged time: **1:29:10**
